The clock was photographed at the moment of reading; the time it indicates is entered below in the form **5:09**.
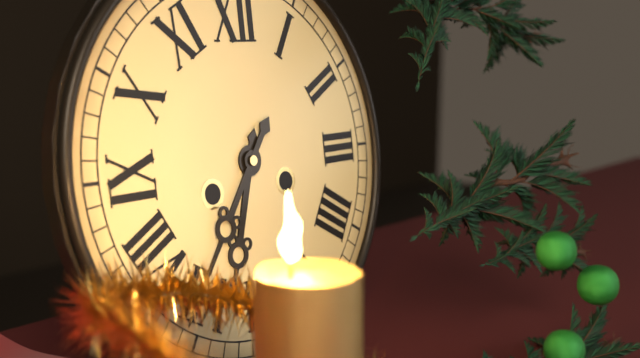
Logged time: **6:36**
